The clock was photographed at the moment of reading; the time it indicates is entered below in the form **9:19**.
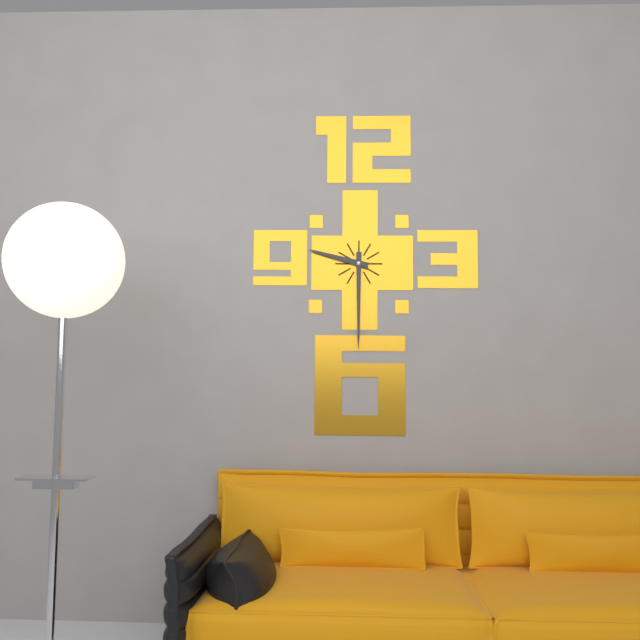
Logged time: **9:30**
